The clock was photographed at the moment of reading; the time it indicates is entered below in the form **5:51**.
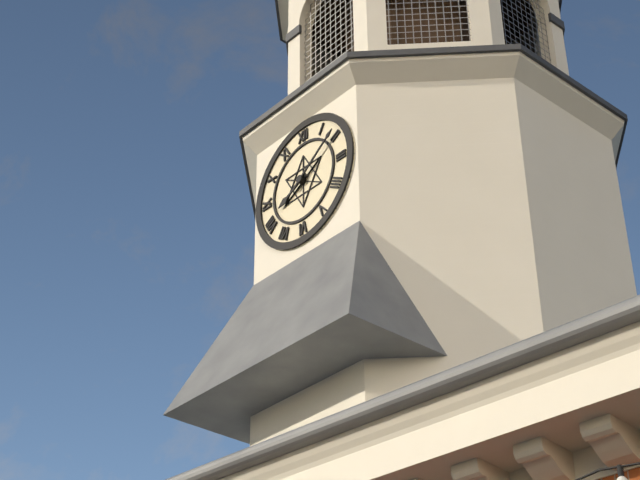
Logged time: **8:09**
